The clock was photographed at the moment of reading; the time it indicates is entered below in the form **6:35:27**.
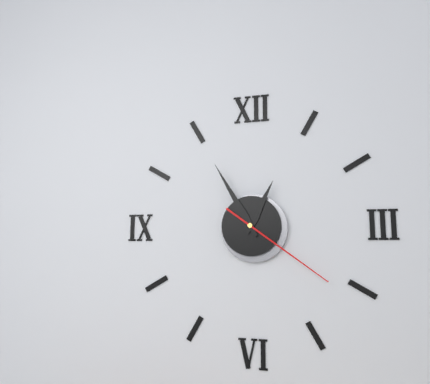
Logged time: **12:55:21**
